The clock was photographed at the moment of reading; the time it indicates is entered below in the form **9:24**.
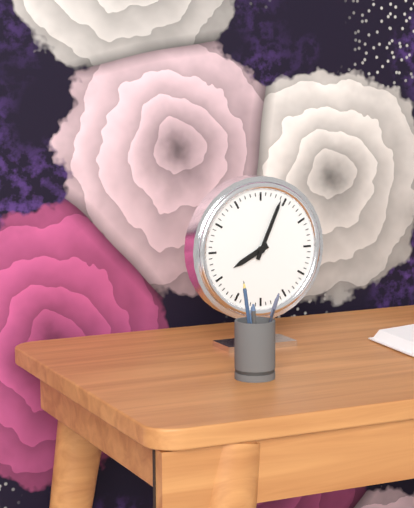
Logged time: **8:04**
